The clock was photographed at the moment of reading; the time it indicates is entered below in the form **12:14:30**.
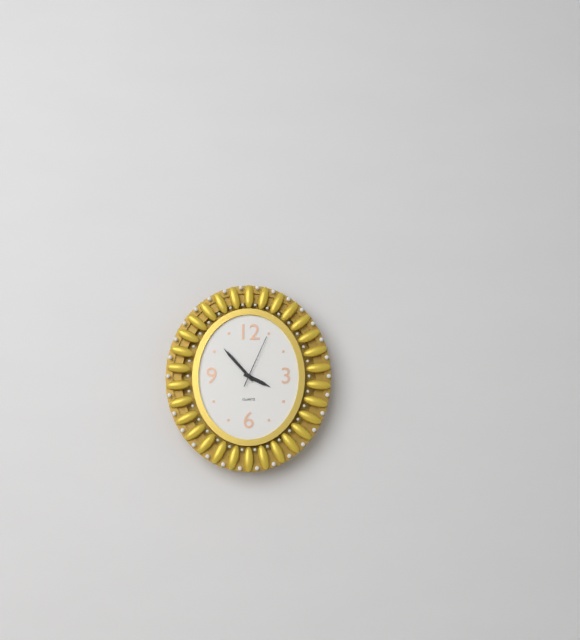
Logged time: **3:53:04**
